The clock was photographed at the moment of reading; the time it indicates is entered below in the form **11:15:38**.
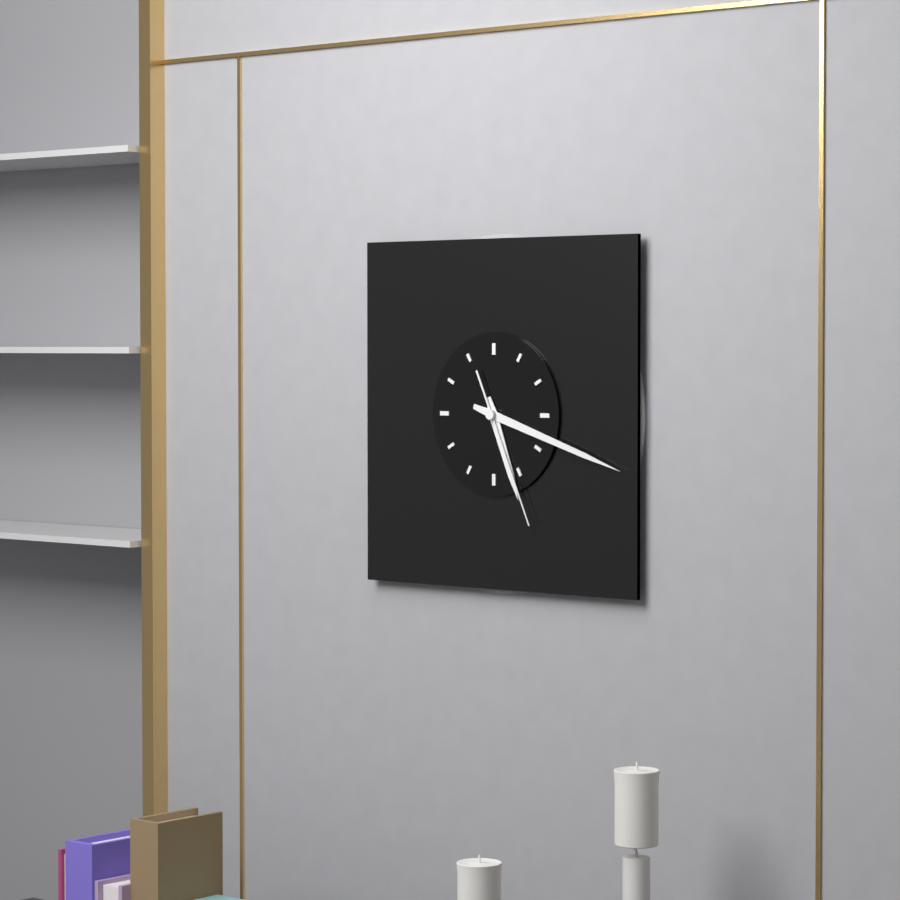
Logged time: **5:18:26**
